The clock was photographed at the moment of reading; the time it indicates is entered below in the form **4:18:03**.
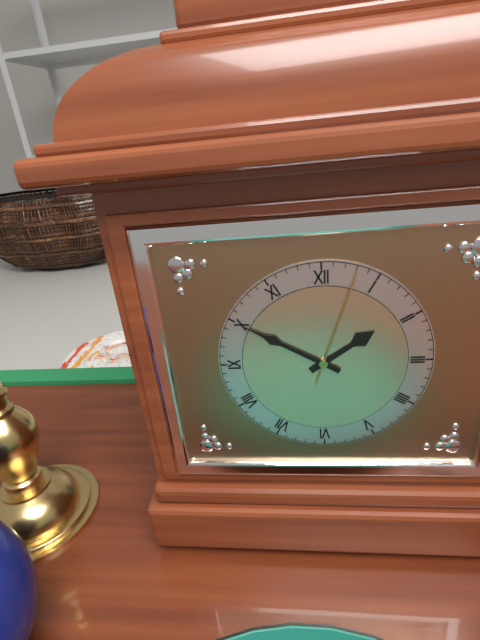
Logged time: **1:50:03**
